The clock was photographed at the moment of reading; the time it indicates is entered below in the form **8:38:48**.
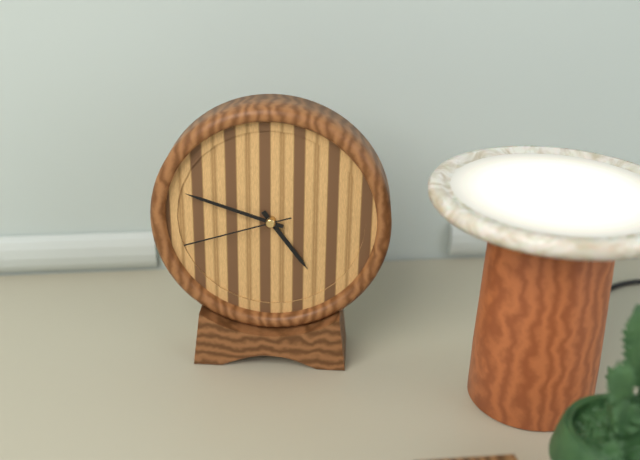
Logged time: **4:48:42**
